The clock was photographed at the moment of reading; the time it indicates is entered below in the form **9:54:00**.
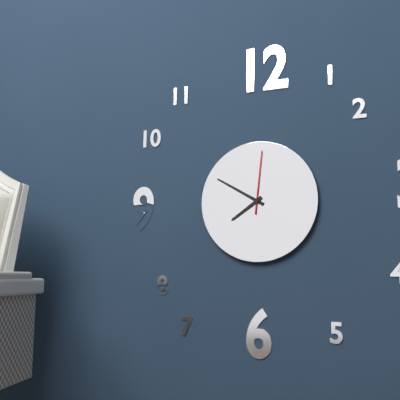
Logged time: **7:50:01**
